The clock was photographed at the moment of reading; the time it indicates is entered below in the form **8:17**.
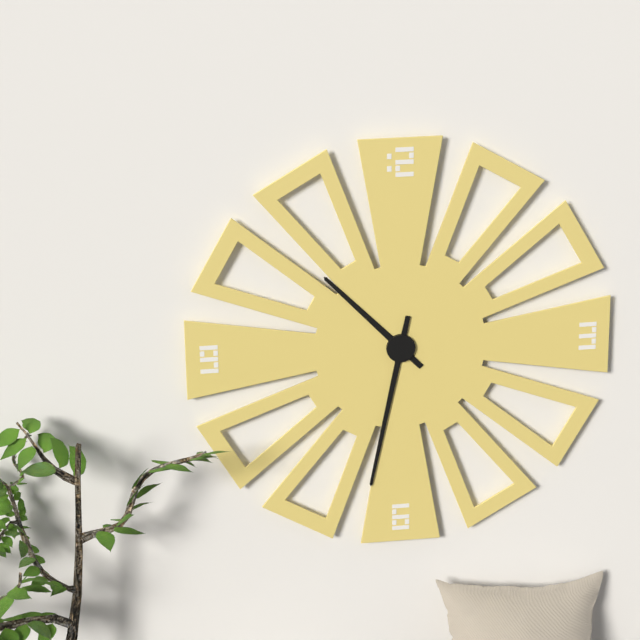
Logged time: **10:32**
